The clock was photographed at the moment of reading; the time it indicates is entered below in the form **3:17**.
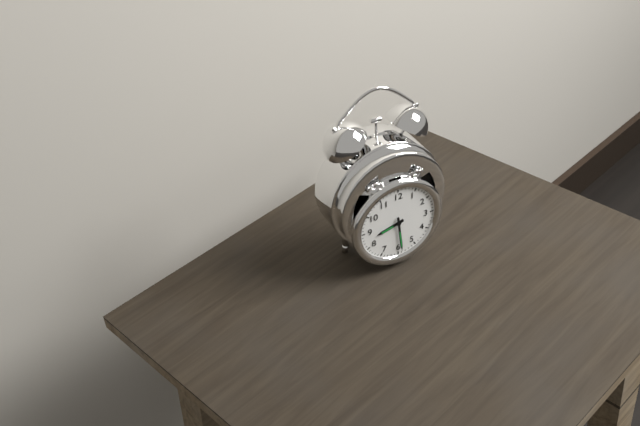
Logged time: **8:29**
